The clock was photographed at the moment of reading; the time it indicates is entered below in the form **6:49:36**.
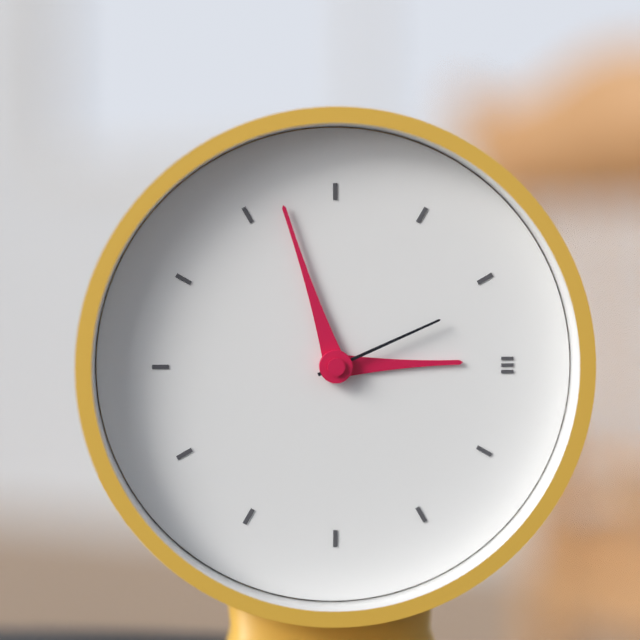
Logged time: **2:57:11**
